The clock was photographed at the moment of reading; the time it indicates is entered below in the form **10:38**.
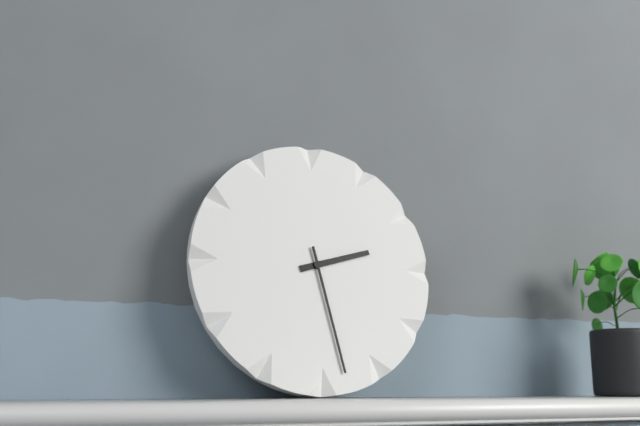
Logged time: **2:28**
